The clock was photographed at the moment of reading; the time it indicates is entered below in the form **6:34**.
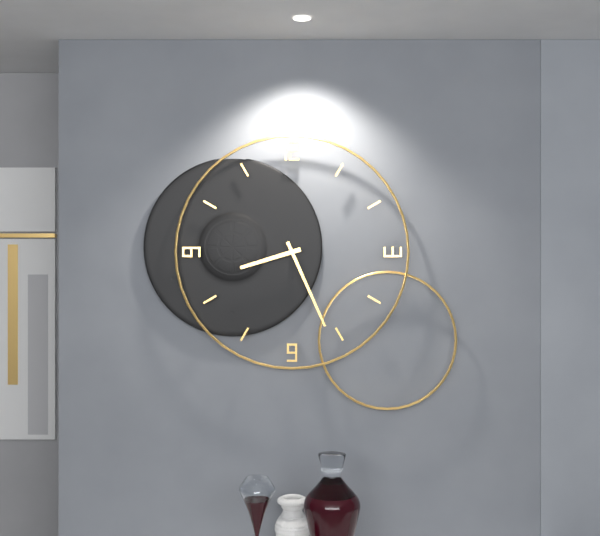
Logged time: **8:26**
